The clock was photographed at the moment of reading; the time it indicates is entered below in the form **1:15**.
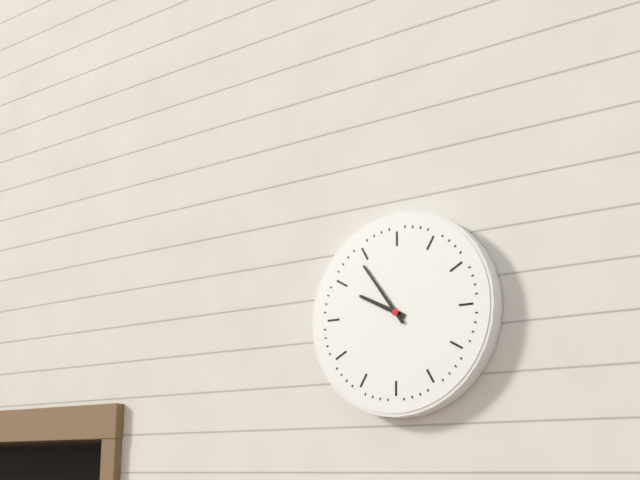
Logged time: **9:54**
